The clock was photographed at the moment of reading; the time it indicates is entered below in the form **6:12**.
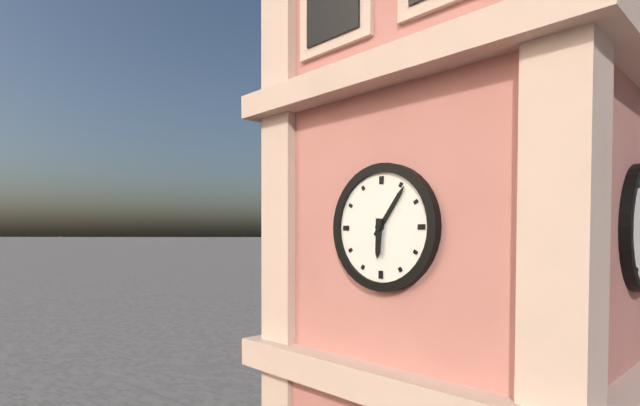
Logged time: **6:06**
